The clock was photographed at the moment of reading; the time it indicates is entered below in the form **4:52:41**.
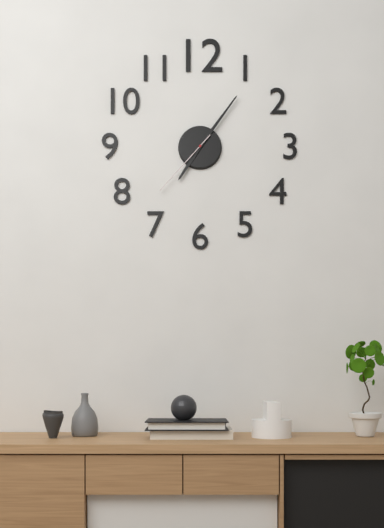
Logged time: **7:06:37**
